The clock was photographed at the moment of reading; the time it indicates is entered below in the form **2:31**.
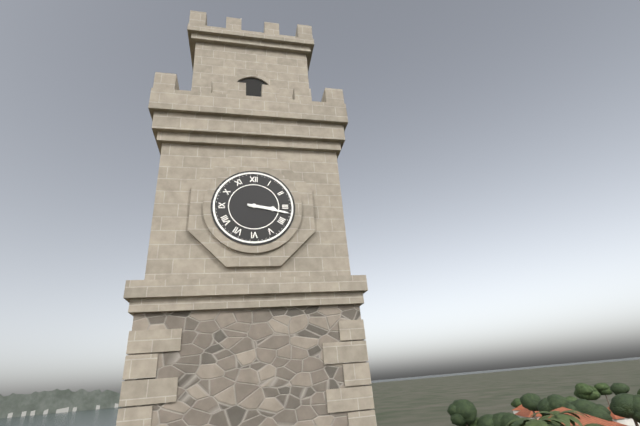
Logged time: **3:17**
